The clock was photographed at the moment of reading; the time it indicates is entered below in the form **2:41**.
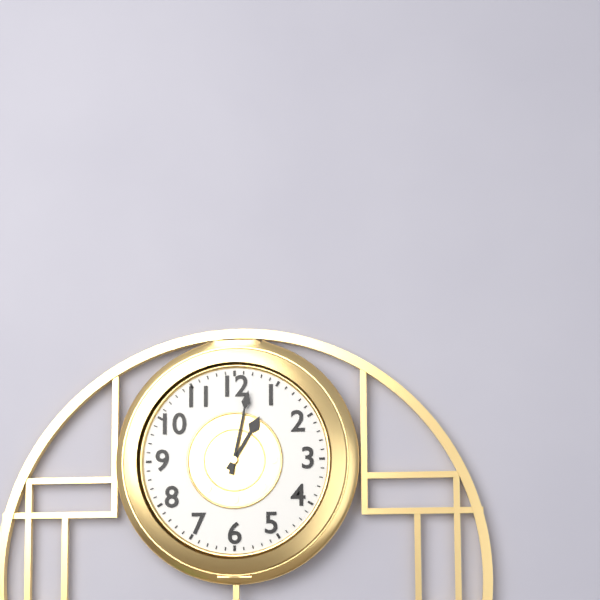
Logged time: **1:02**
